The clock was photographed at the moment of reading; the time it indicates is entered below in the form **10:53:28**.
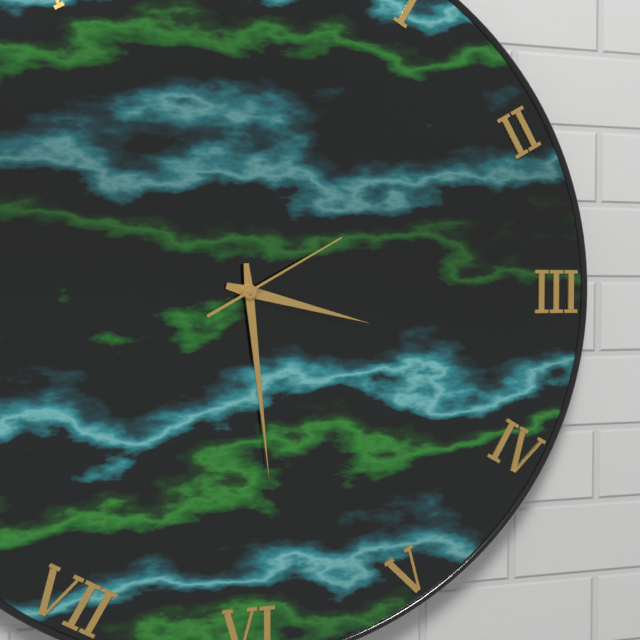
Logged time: **3:29:10**
